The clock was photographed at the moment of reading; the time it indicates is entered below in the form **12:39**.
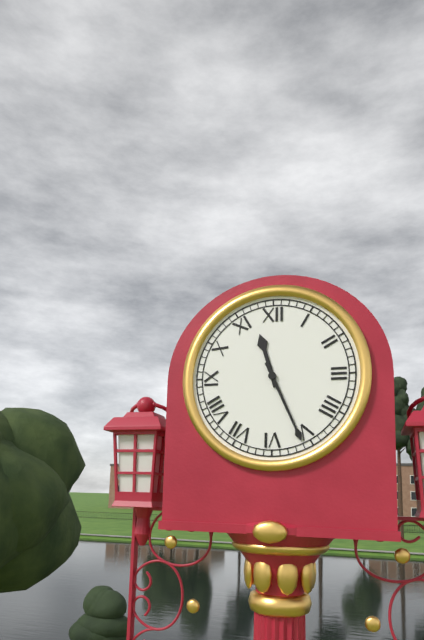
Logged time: **11:26**
